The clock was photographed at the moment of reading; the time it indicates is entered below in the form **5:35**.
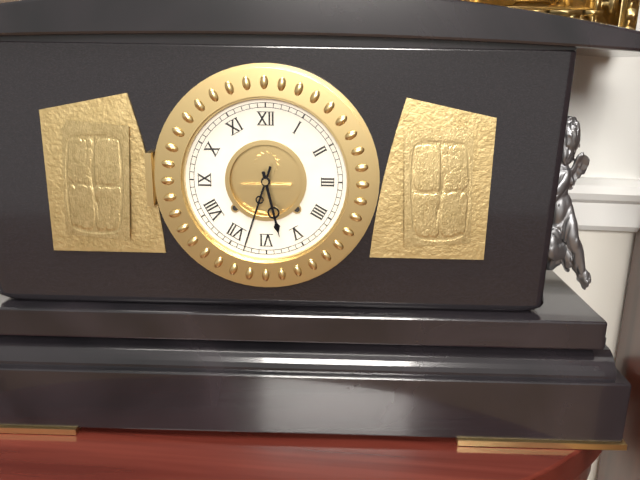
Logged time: **5:33**
